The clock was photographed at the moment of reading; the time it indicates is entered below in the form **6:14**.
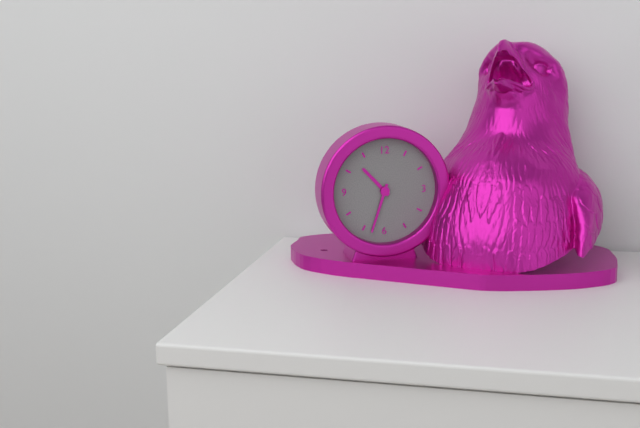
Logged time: **10:33**
